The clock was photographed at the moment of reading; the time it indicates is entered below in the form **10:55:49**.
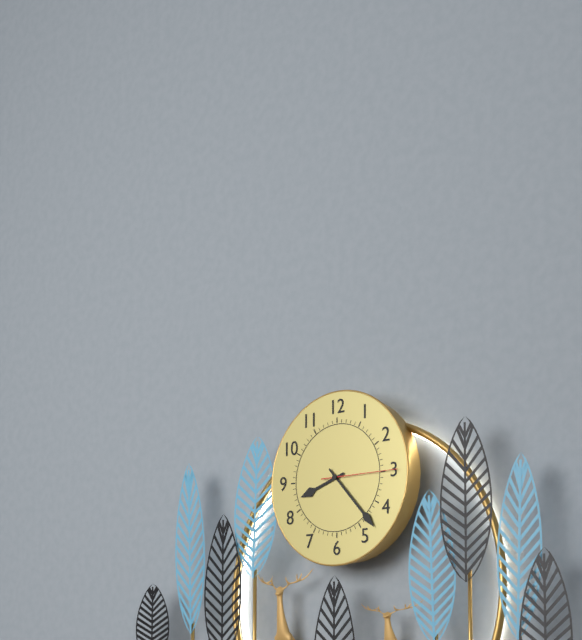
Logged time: **8:23:15**
